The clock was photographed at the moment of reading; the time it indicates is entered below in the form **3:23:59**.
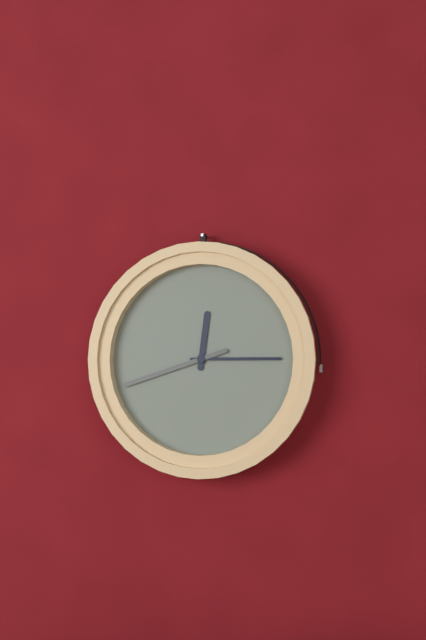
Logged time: **12:15:42**
